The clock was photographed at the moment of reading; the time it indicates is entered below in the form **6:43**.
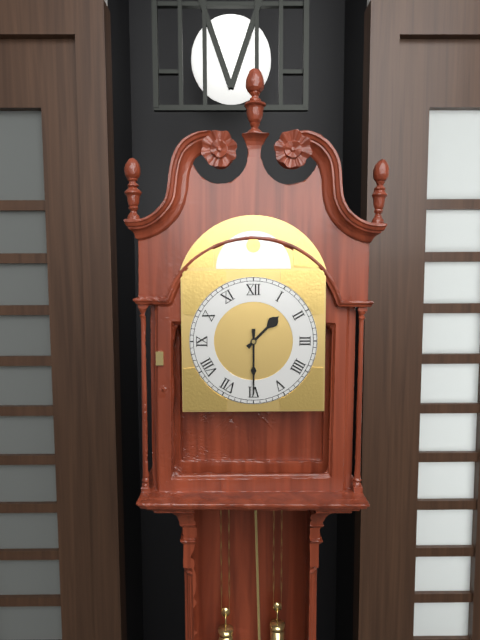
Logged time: **1:30**
